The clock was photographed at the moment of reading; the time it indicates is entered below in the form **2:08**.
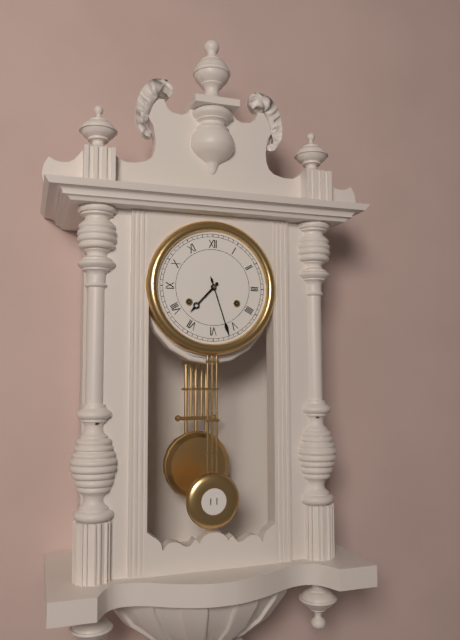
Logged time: **7:27**
